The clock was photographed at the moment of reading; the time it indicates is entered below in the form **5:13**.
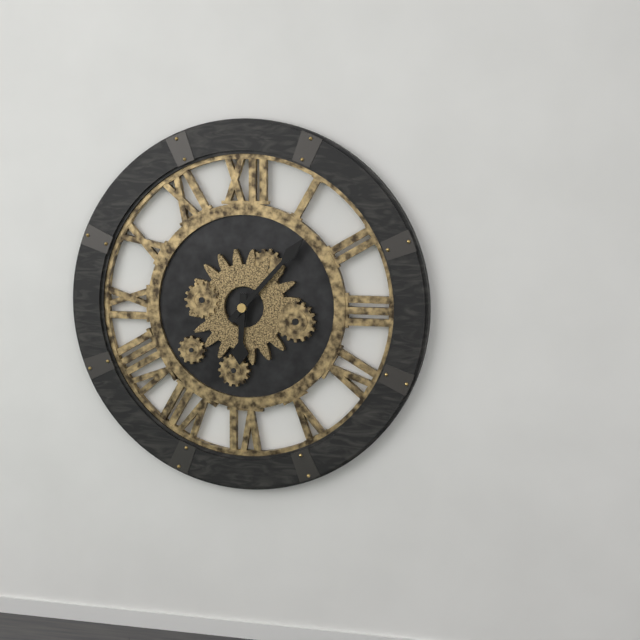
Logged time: **6:07**
